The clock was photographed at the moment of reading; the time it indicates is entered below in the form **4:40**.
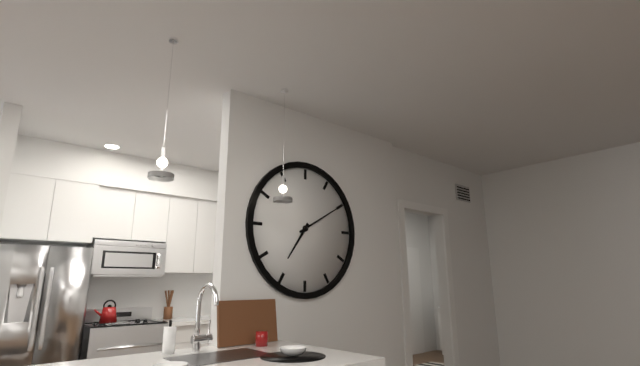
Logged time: **7:10**
